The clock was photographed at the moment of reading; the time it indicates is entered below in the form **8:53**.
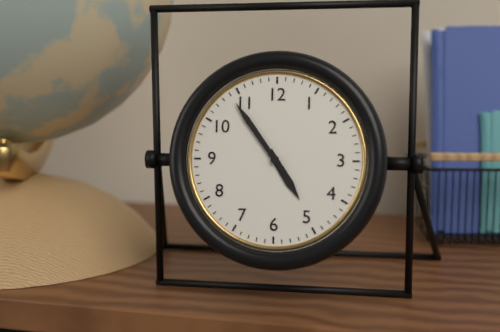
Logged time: **4:54**
